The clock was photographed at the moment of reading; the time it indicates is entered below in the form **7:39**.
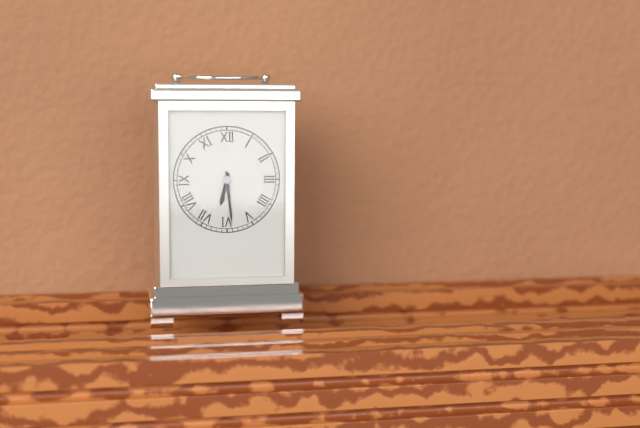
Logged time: **6:29**
